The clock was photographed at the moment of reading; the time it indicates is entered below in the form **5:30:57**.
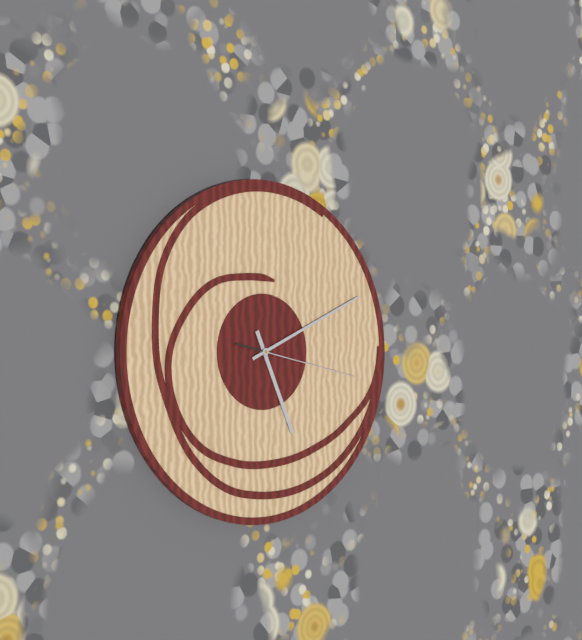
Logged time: **5:11:17**
